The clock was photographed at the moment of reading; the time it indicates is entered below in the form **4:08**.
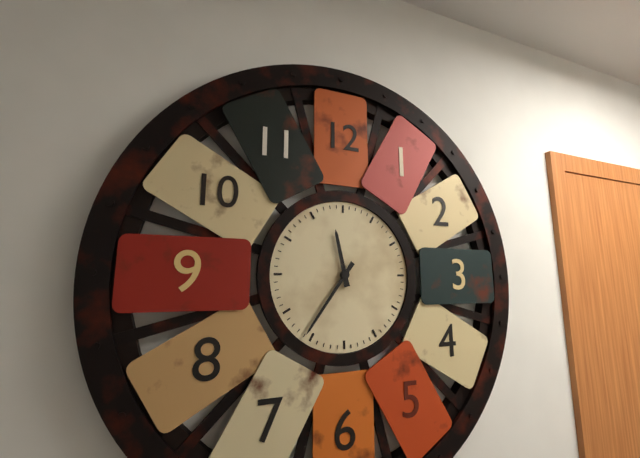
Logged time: **11:36**
